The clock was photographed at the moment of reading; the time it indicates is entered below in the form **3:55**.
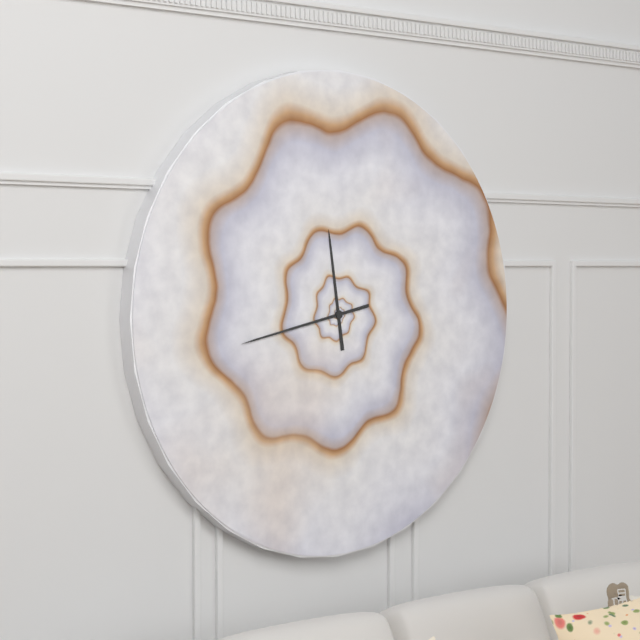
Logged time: **11:43**
